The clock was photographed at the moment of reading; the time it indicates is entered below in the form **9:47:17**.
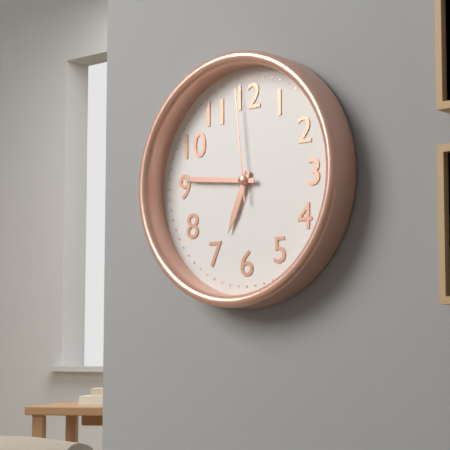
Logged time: **6:46:59**
